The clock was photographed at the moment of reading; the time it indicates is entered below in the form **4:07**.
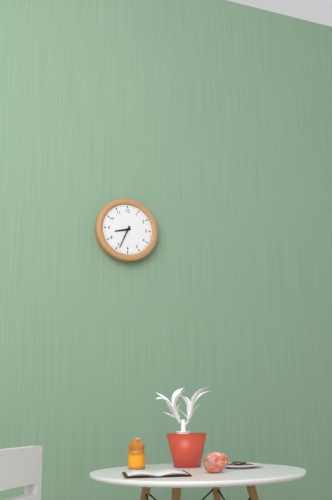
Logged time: **8:34**
